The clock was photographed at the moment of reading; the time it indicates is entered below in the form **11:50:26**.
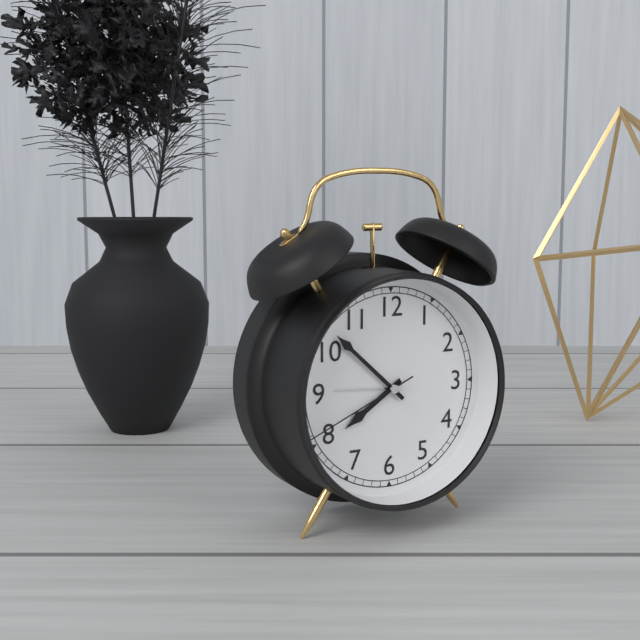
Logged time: **7:52:41**
